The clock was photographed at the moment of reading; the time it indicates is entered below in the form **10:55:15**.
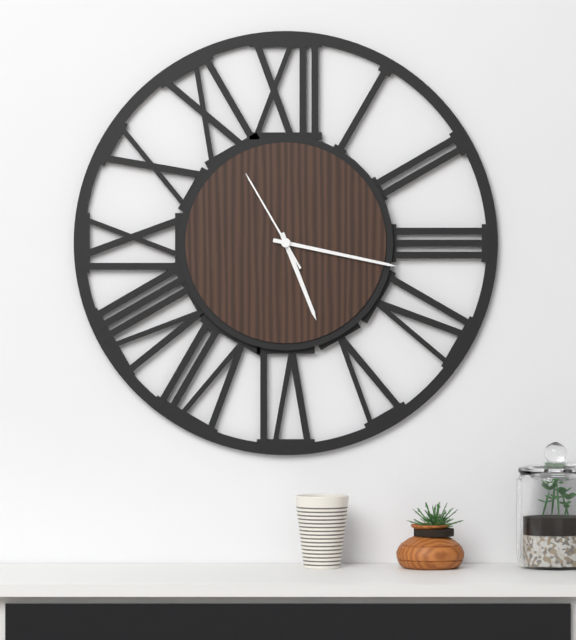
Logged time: **5:17:55**
